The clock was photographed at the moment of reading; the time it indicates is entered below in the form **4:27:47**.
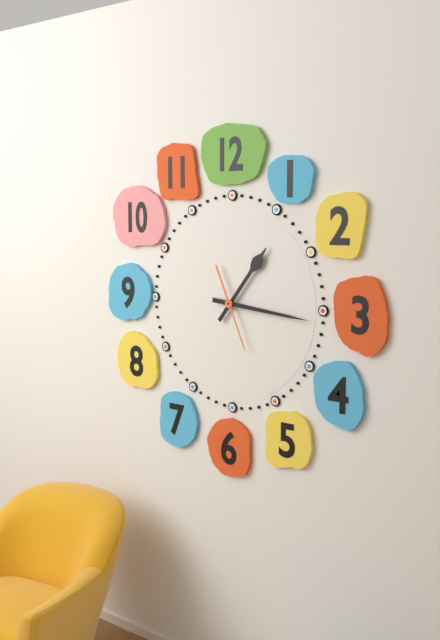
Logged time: **1:16:26**
